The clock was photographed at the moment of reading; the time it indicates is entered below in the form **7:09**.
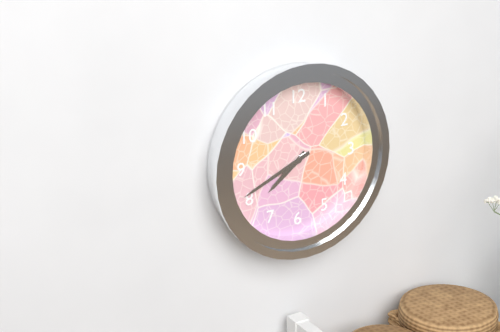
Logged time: **7:41**
